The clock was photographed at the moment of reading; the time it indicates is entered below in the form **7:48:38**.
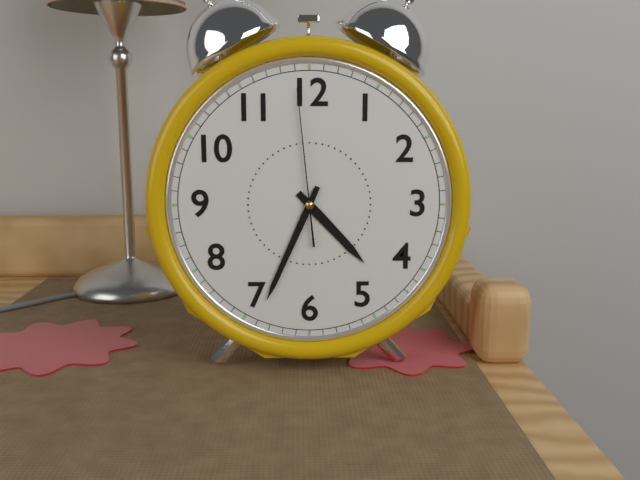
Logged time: **4:34:59**
